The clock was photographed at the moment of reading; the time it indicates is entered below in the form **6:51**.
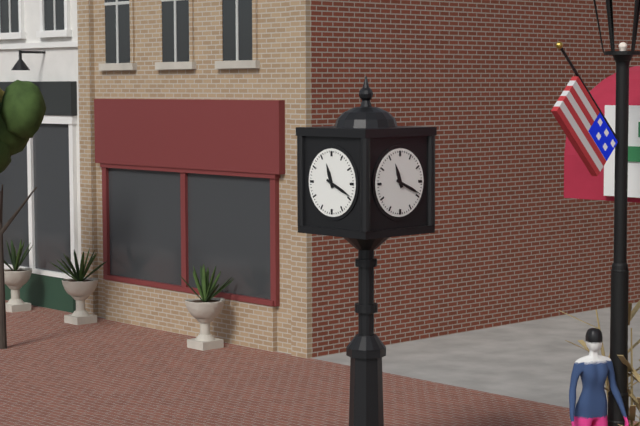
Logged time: **11:19**
